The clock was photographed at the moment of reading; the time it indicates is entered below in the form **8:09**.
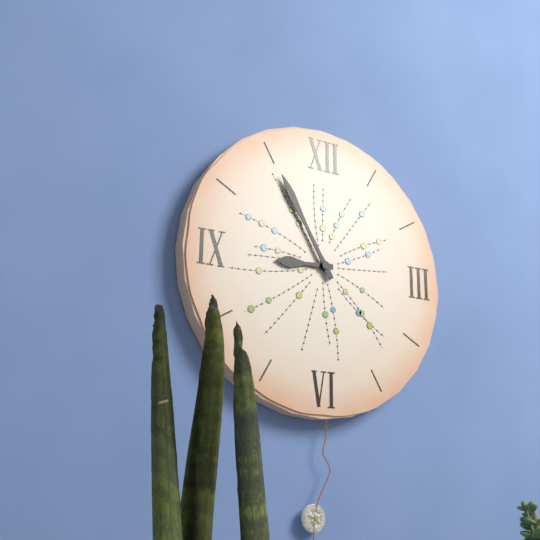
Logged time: **8:55**
